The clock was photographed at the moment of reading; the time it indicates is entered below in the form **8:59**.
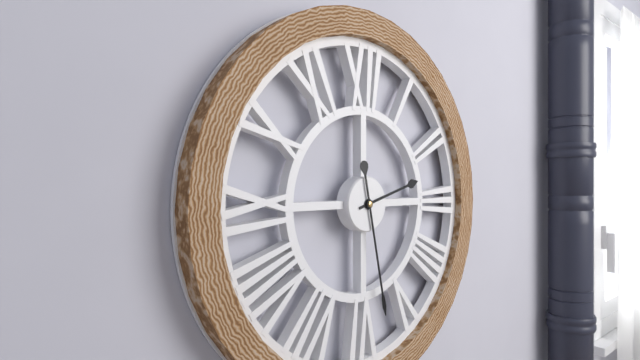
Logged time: **2:28**
